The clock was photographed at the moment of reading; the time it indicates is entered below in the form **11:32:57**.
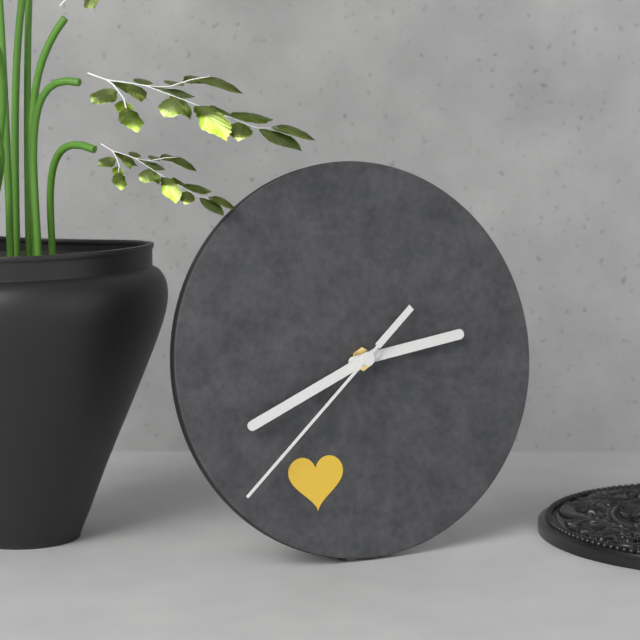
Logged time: **2:41:38**
